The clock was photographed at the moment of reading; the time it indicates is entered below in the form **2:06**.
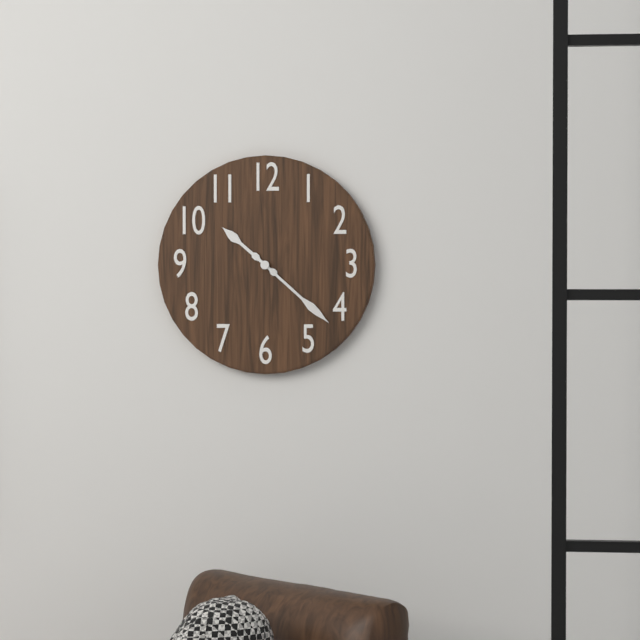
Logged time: **10:22**
